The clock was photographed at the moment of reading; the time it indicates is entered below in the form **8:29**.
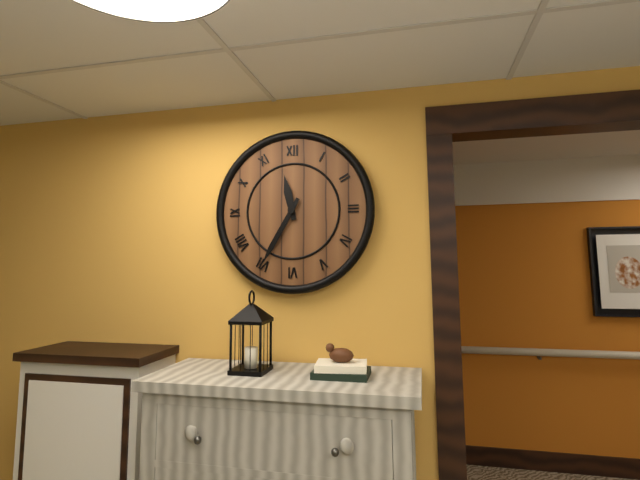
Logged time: **11:35**
